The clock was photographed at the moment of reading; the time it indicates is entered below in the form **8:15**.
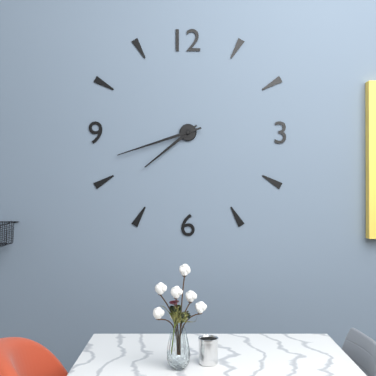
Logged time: **7:42**
